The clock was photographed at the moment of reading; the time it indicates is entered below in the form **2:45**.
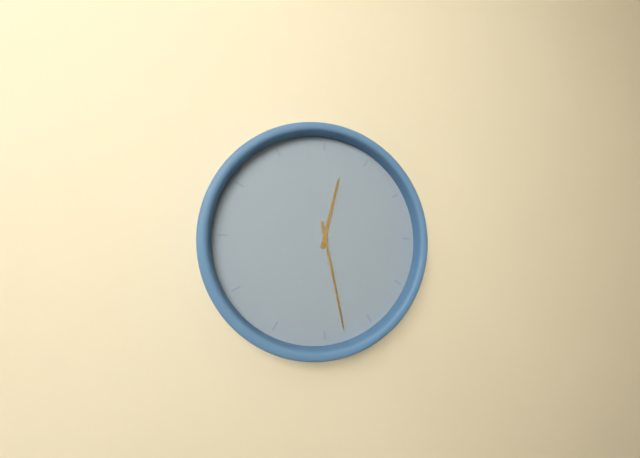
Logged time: **12:28**
